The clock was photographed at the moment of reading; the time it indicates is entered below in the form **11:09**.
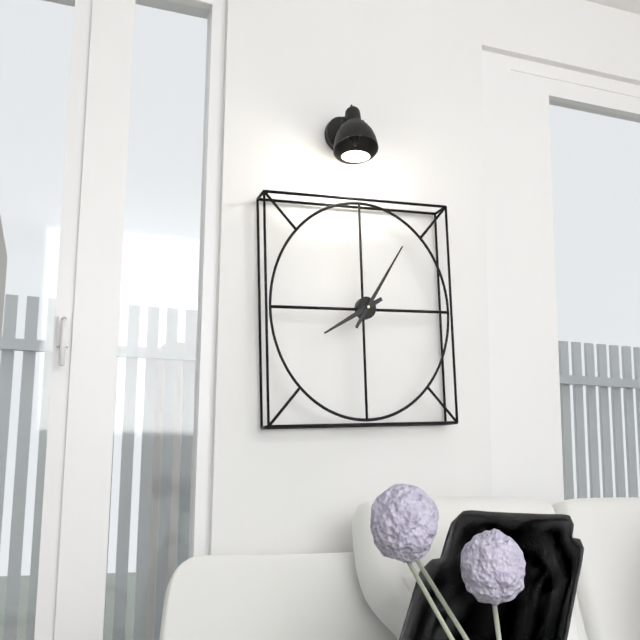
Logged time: **8:06**
